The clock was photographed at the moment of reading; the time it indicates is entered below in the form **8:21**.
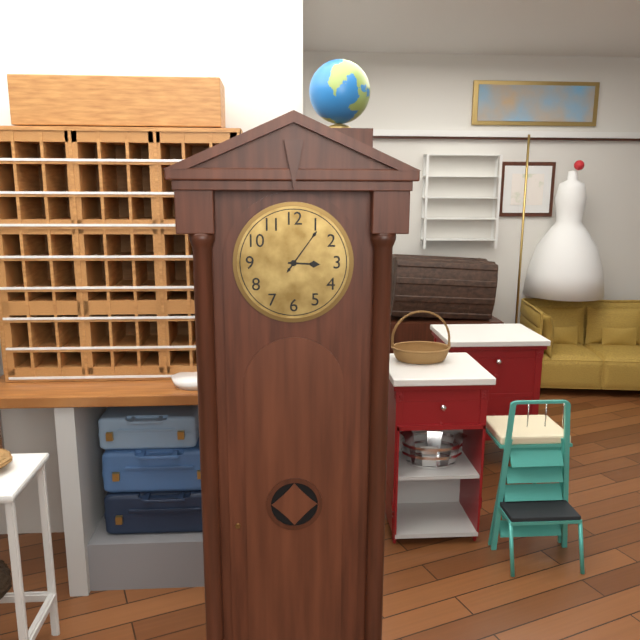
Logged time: **3:06**
